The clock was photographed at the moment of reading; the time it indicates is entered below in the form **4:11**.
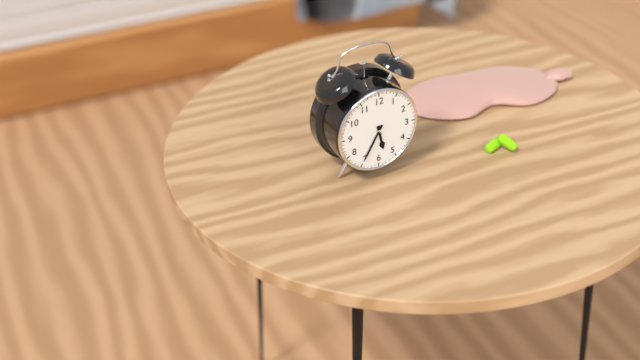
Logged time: **5:35**
